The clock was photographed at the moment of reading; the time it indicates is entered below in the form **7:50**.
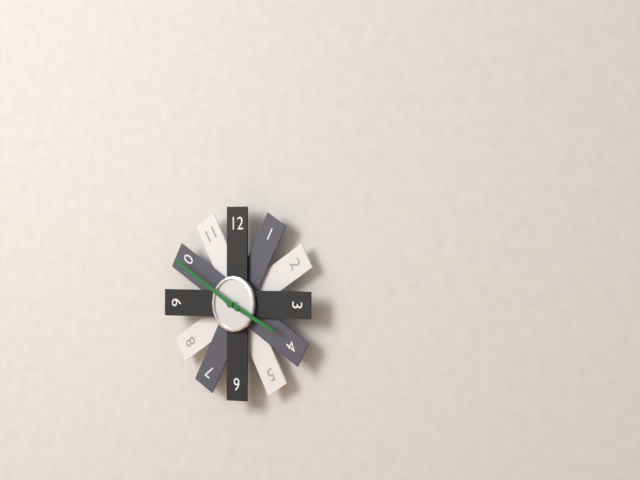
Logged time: **3:50**
